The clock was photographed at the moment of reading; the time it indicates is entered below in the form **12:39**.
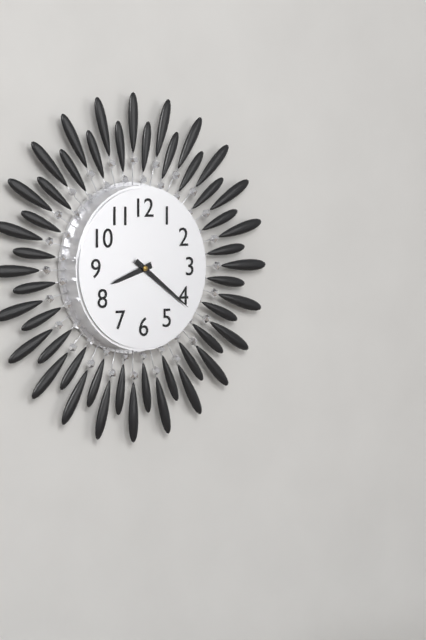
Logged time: **8:21**
